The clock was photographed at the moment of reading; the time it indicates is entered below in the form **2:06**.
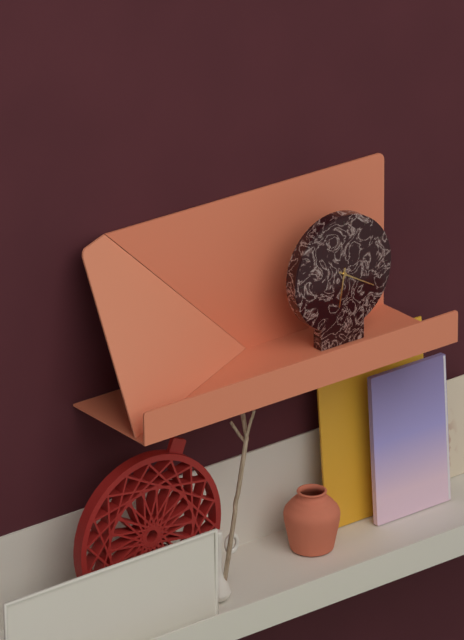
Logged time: **6:20**
